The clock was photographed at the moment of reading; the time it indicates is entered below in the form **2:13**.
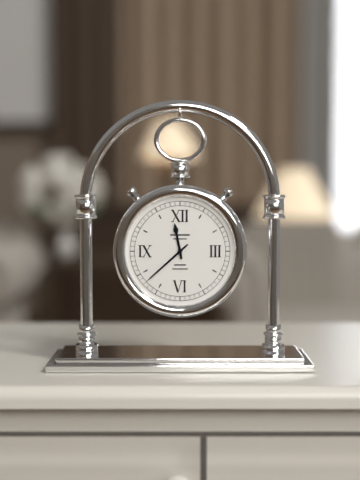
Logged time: **11:38**
